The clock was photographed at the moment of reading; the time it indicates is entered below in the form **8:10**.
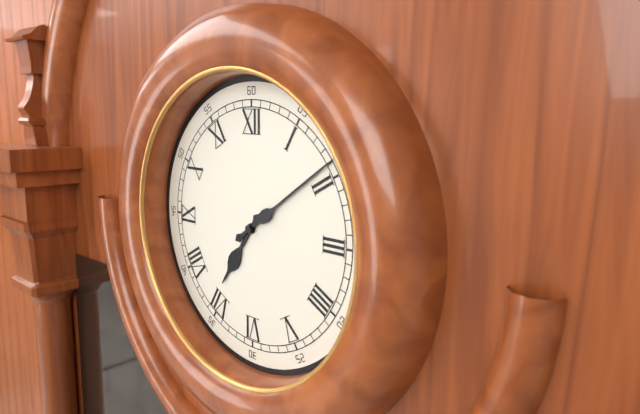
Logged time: **7:09**
